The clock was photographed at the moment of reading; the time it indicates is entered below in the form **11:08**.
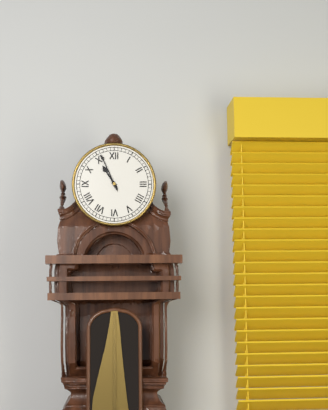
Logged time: **10:56**
